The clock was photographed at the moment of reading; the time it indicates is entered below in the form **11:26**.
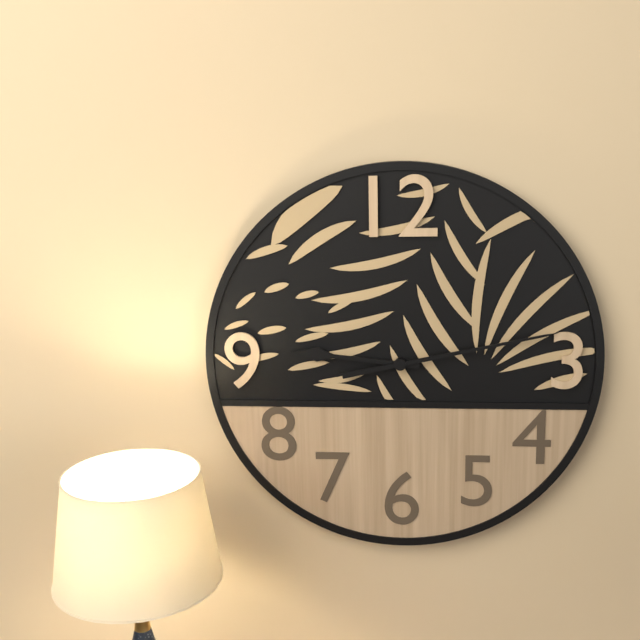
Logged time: **9:13**
